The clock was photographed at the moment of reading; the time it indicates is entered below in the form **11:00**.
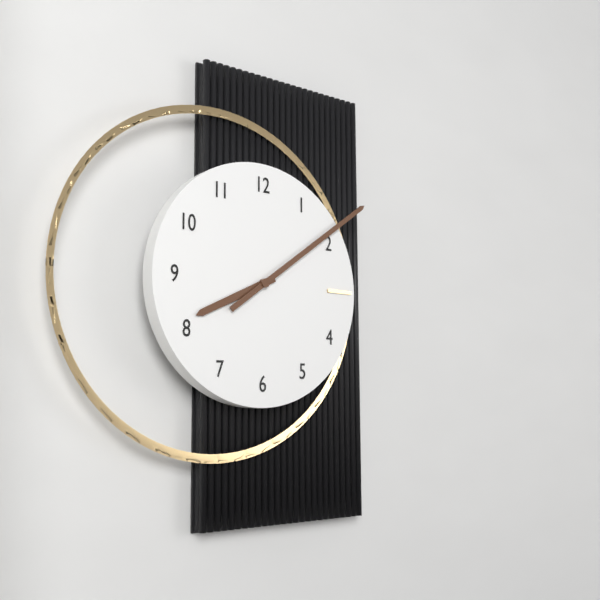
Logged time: **8:09**
